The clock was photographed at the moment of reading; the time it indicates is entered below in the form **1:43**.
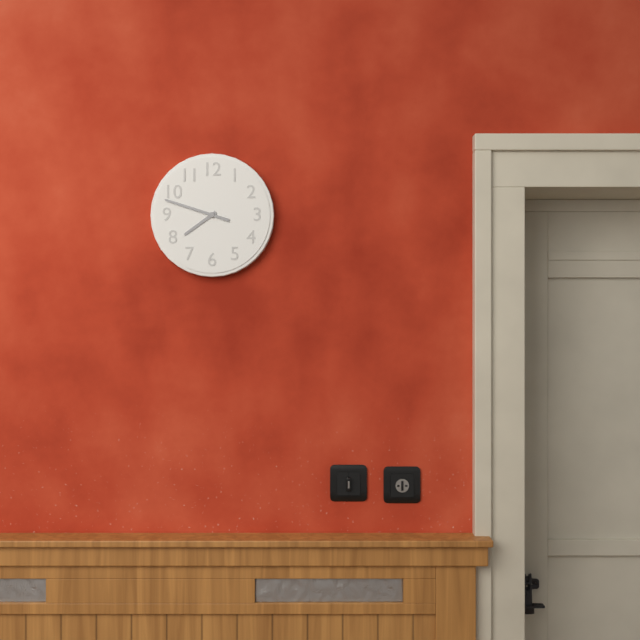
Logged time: **7:48**
